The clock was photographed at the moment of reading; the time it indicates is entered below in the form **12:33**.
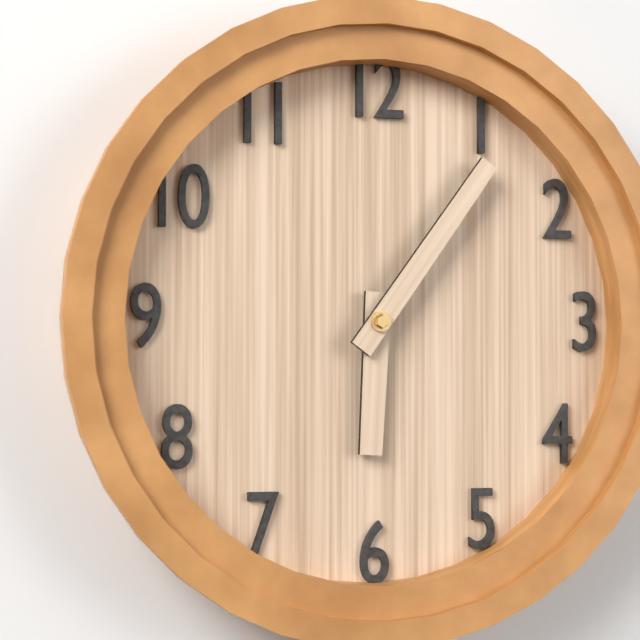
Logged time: **6:06**
